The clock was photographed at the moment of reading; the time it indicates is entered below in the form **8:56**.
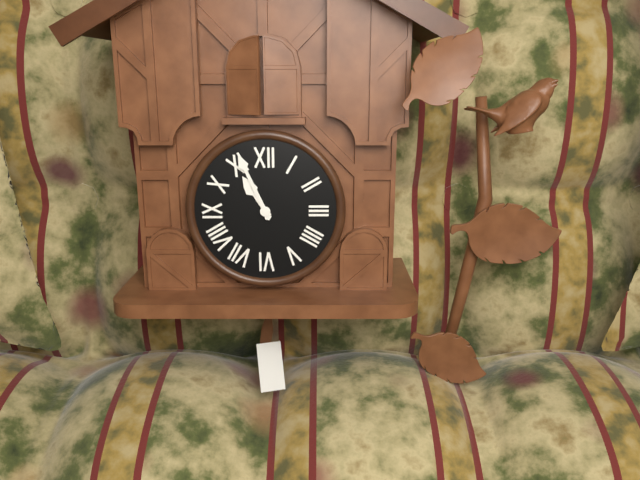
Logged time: **10:56**
